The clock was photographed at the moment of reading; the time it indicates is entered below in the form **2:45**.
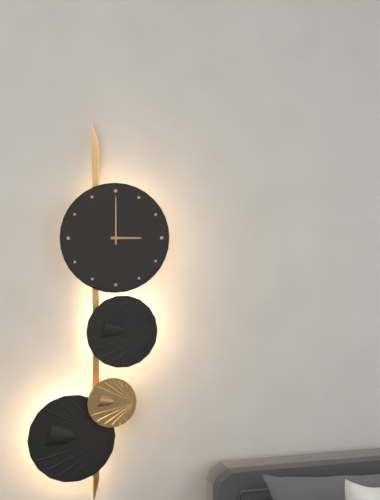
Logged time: **3:00**
